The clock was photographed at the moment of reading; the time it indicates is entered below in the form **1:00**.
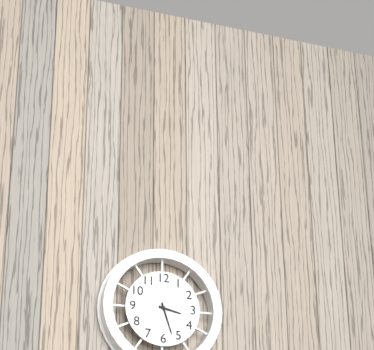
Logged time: **3:27**
